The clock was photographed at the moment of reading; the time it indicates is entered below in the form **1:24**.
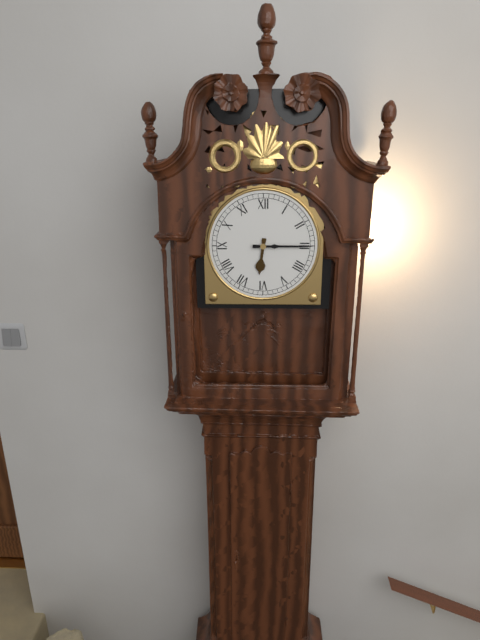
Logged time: **6:15**
